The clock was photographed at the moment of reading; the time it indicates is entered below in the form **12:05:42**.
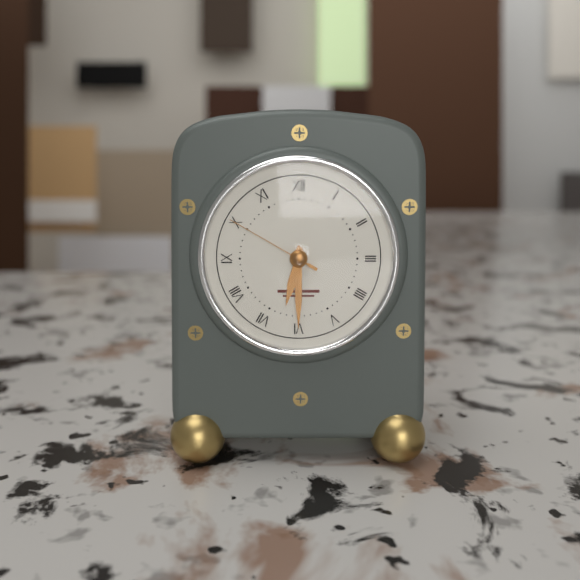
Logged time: **6:30:50**
